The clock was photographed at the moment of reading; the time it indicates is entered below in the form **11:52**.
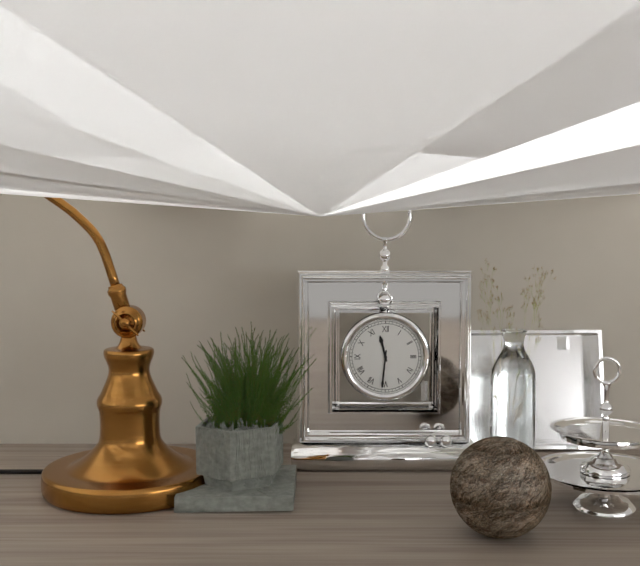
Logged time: **11:31**
